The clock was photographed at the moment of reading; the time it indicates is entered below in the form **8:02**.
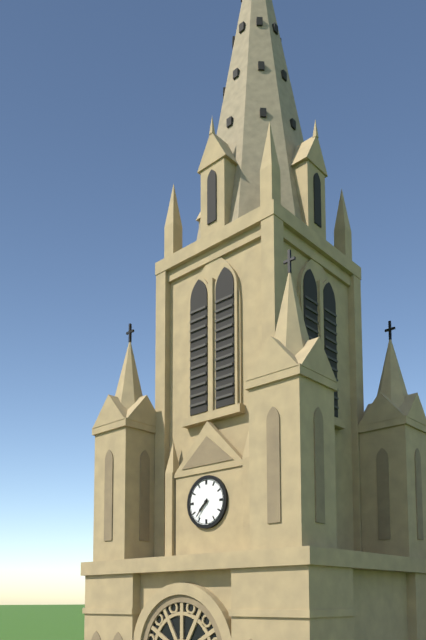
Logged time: **7:37**
